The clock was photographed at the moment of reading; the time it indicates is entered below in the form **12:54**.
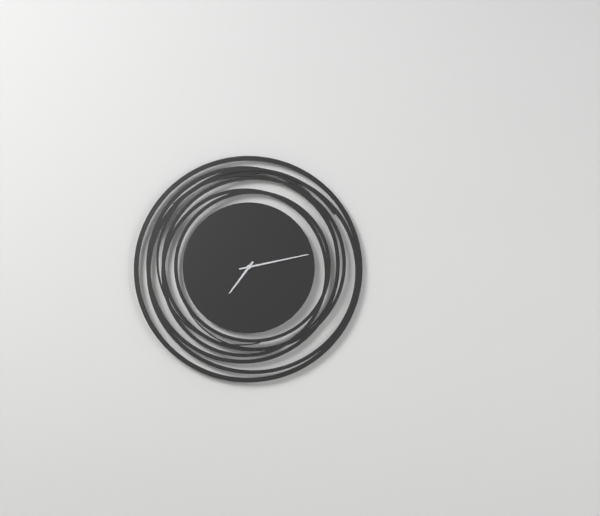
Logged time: **7:13**
